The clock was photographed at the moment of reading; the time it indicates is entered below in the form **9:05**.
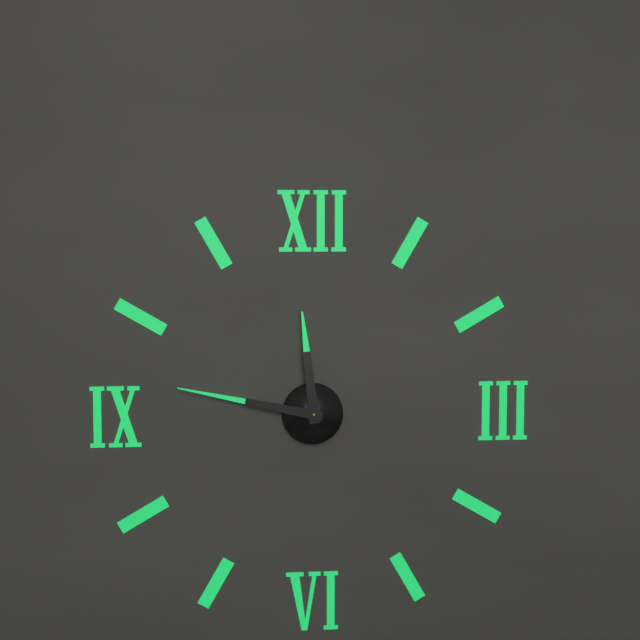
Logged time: **11:47**
